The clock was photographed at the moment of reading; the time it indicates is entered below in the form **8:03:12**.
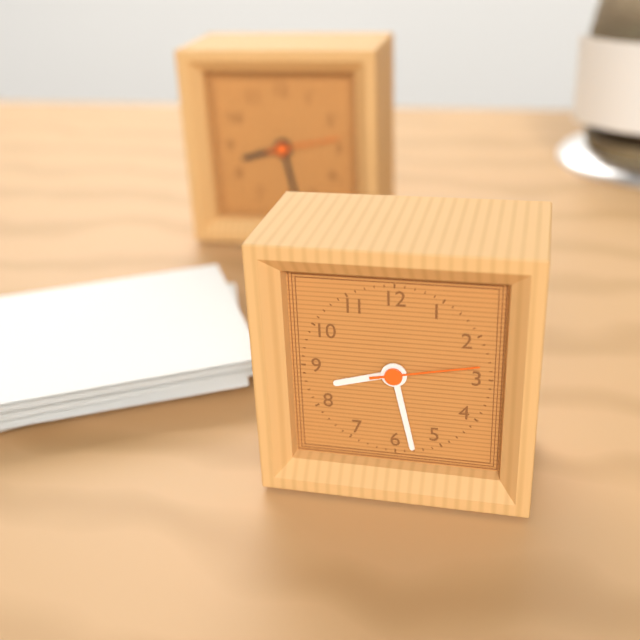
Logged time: **8:28:13**
